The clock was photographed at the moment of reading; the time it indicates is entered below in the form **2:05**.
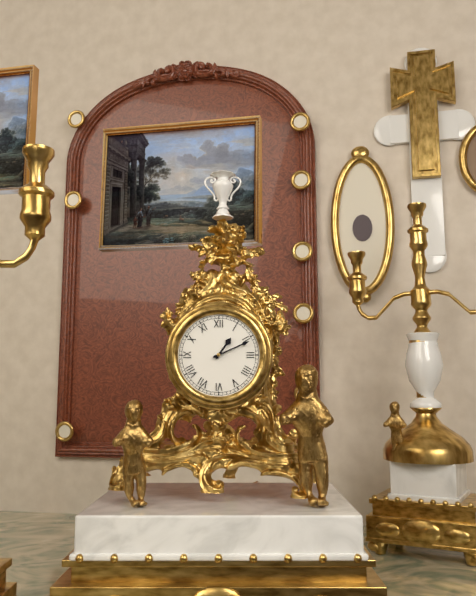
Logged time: **1:11**
